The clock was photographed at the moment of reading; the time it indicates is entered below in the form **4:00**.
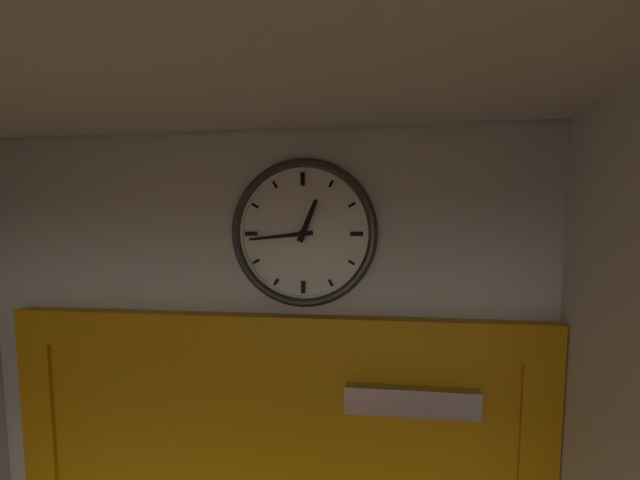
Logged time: **12:44**
